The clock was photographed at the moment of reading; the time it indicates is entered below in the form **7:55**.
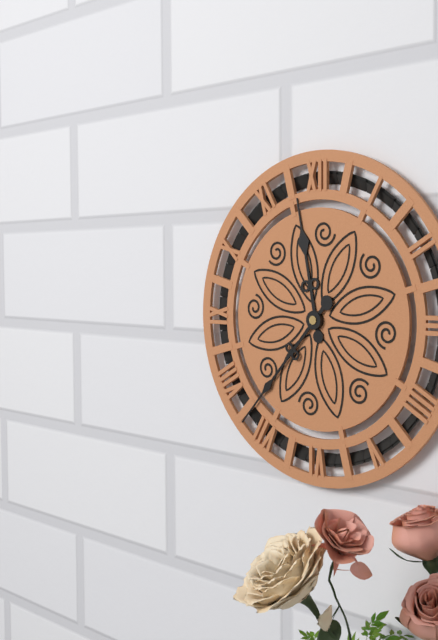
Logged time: **11:37**
